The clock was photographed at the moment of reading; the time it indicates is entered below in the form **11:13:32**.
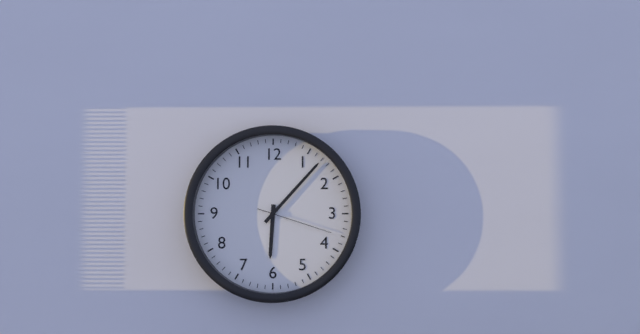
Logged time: **6:07:18**
